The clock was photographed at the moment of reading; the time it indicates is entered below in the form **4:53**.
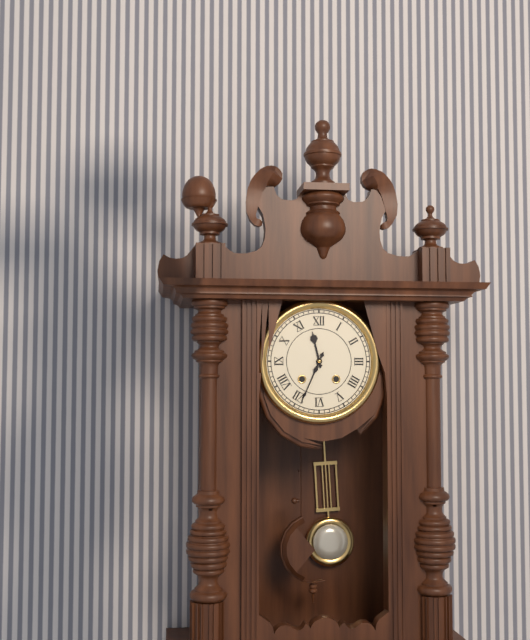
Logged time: **11:34**
